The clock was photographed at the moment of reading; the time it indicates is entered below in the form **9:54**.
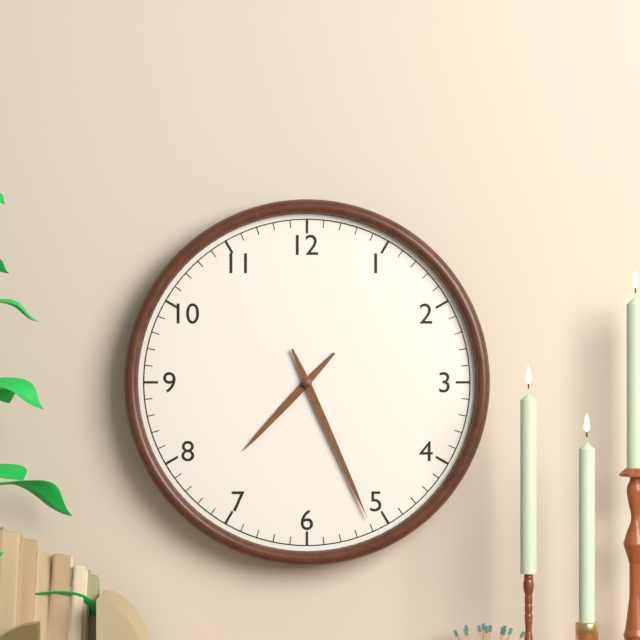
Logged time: **7:26**
